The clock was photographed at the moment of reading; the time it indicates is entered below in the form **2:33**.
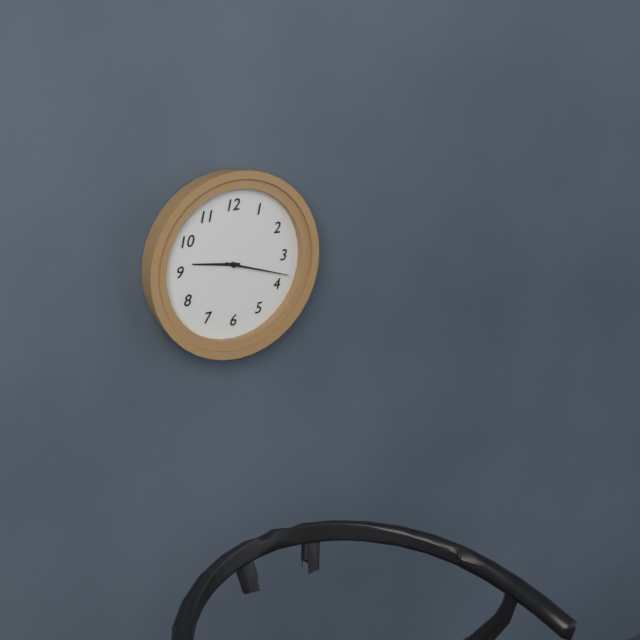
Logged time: **9:18**
